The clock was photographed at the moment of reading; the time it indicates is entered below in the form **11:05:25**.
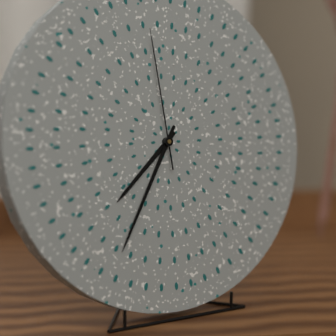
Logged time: **7:35:59**
